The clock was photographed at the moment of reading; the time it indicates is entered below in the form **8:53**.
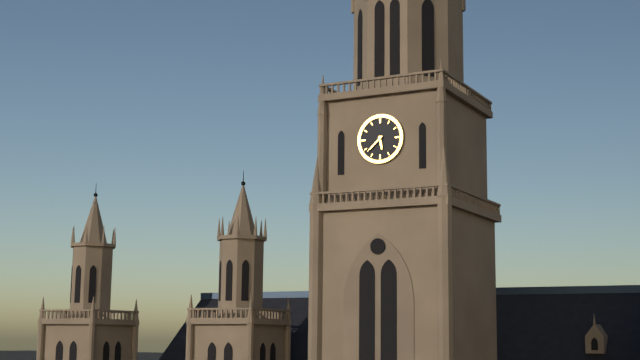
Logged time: **5:38**
